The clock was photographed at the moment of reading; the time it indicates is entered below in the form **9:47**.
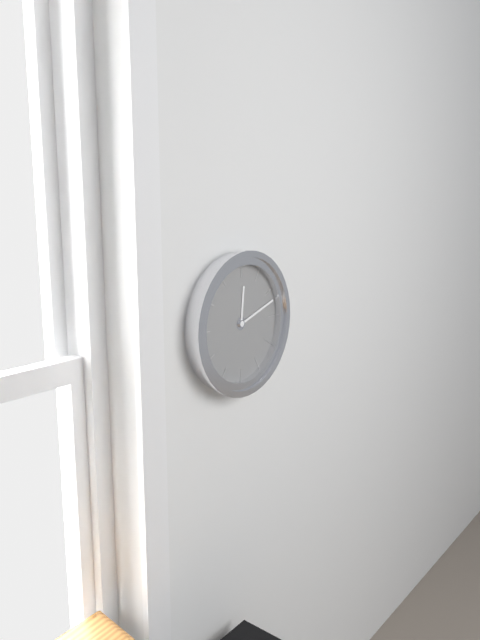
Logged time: **12:12**
